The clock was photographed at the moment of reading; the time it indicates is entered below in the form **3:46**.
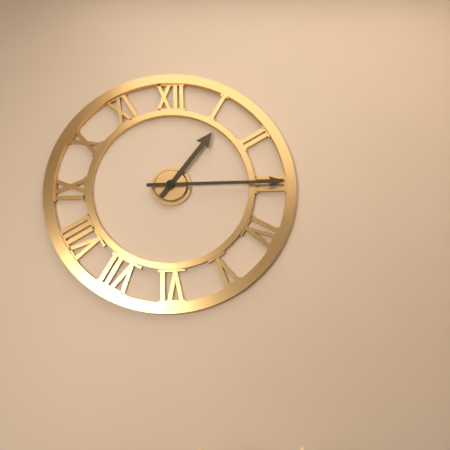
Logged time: **1:15**
